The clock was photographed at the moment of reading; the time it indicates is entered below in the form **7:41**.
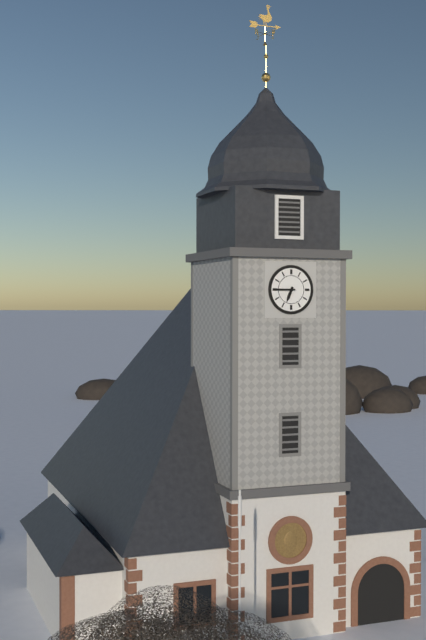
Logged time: **6:45**
